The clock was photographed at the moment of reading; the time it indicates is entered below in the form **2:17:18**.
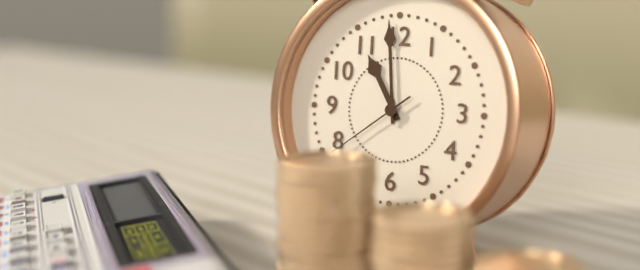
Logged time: **10:59:39**
